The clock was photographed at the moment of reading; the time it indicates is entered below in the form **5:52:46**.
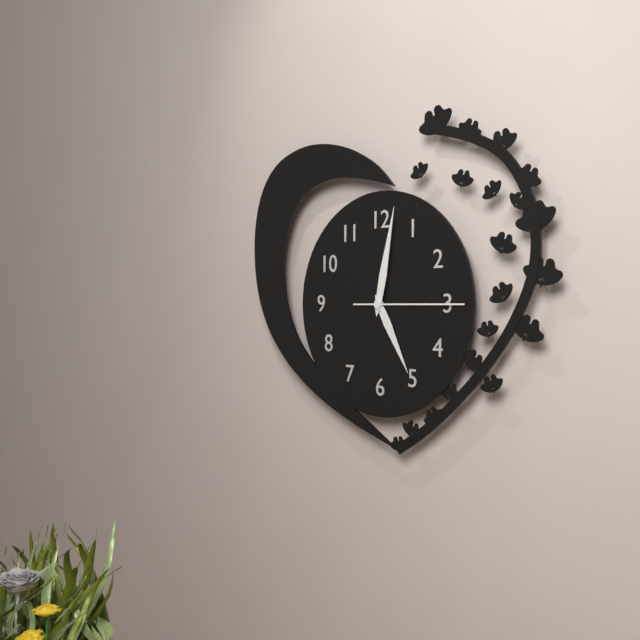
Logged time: **5:02:15**
